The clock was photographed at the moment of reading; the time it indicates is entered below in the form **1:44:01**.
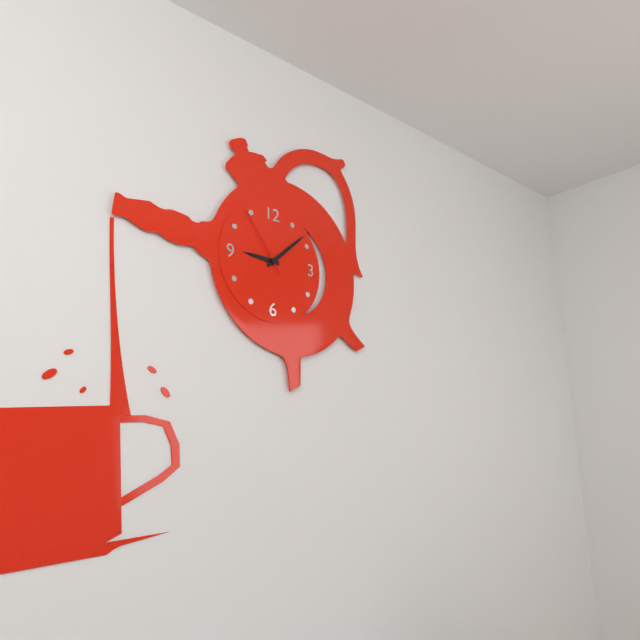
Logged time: **9:08:54**
